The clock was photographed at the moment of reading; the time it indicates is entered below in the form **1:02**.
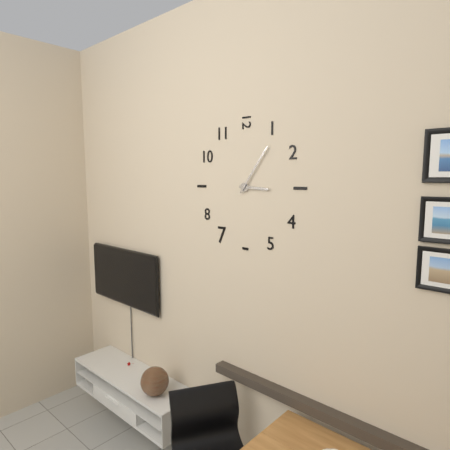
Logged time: **3:06**
